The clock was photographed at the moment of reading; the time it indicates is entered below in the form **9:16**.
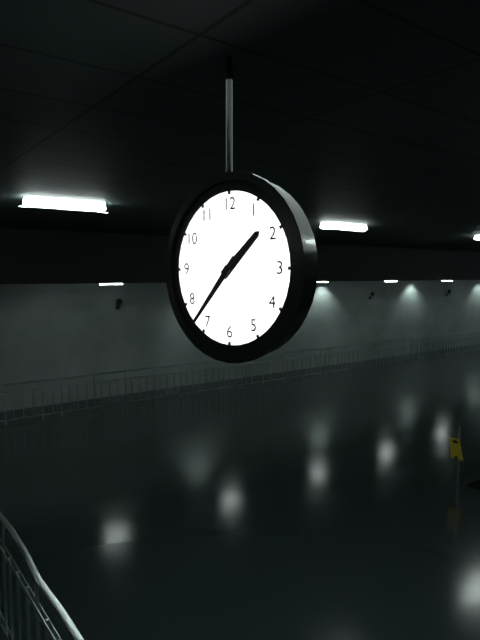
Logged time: **1:37**
